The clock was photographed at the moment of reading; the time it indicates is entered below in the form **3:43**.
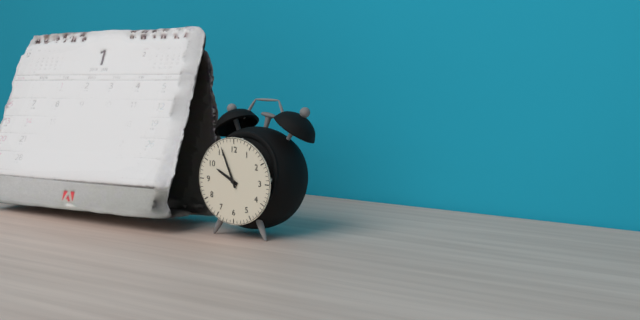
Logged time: **9:56**
